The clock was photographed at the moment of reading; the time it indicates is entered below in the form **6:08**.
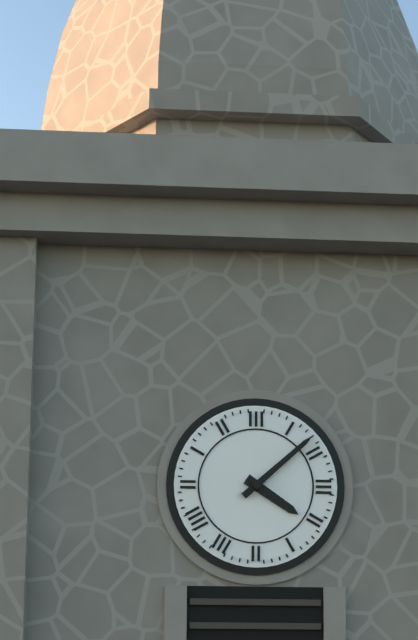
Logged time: **4:08**
